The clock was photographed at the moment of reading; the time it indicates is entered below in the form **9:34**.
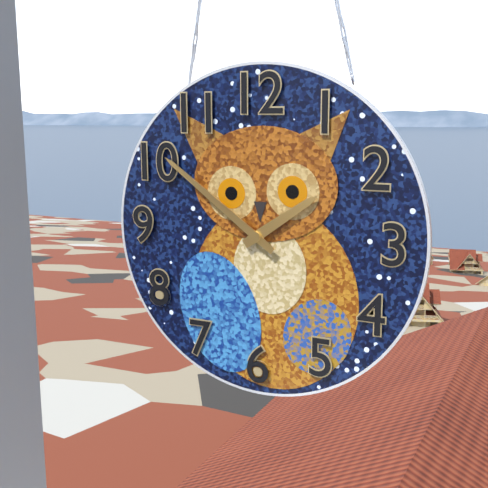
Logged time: **1:51**
